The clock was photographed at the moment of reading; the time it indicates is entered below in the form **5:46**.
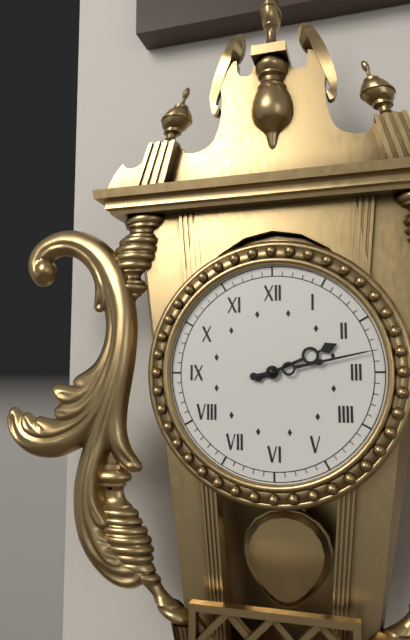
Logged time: **2:13**
